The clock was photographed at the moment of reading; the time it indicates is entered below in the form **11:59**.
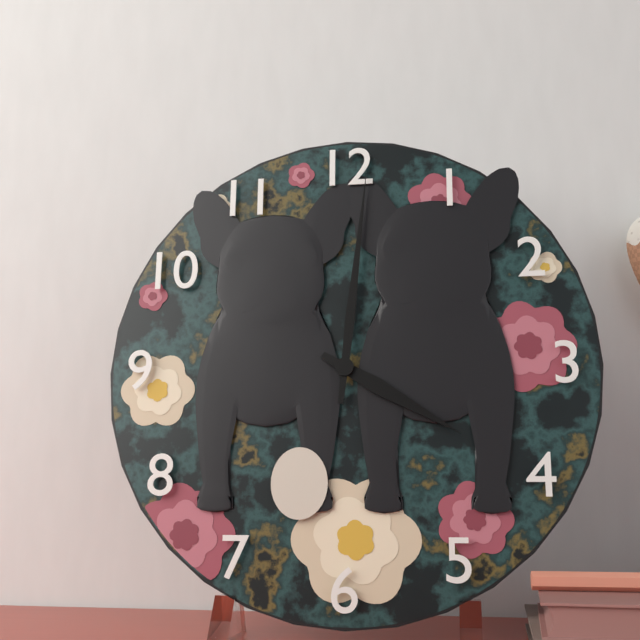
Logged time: **4:01**
